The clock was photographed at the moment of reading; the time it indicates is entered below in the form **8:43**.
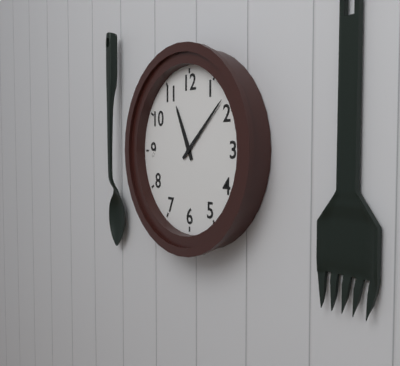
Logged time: **11:08**
